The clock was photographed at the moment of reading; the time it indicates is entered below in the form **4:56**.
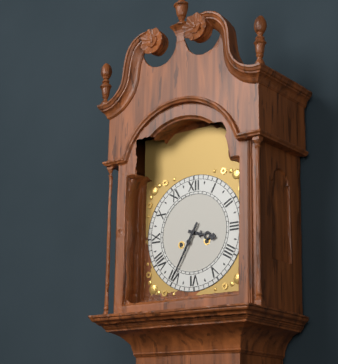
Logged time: **3:35**
